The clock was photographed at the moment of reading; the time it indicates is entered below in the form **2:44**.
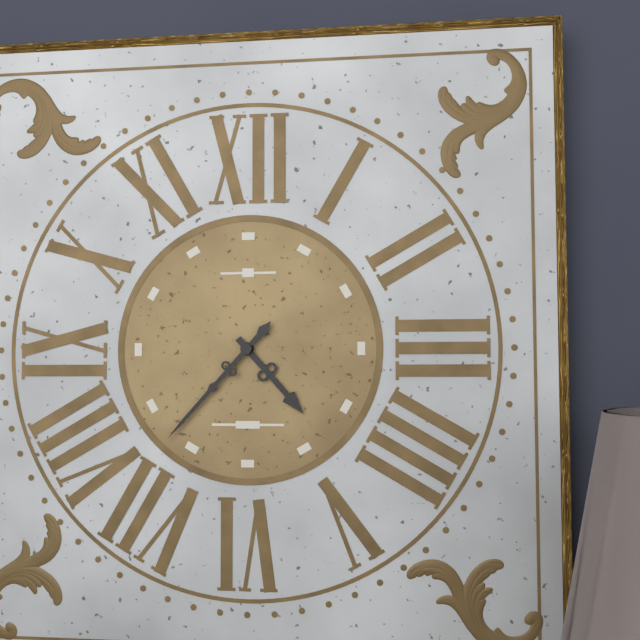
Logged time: **4:37**
